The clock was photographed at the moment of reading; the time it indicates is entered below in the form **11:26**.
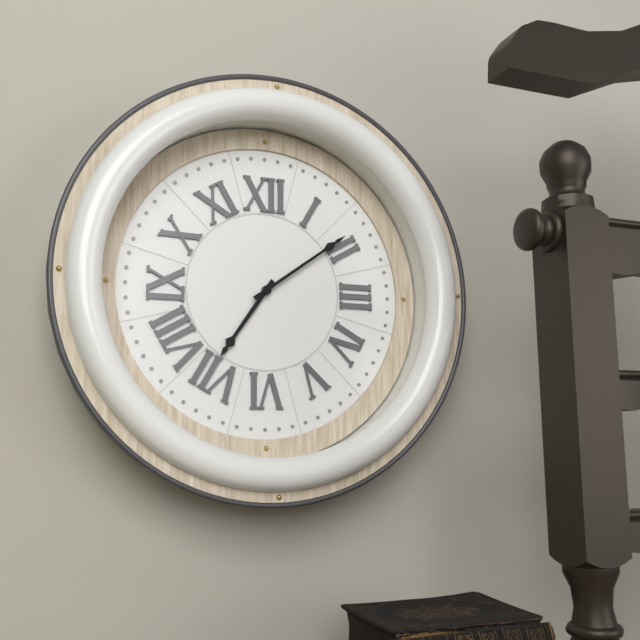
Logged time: **7:09**
